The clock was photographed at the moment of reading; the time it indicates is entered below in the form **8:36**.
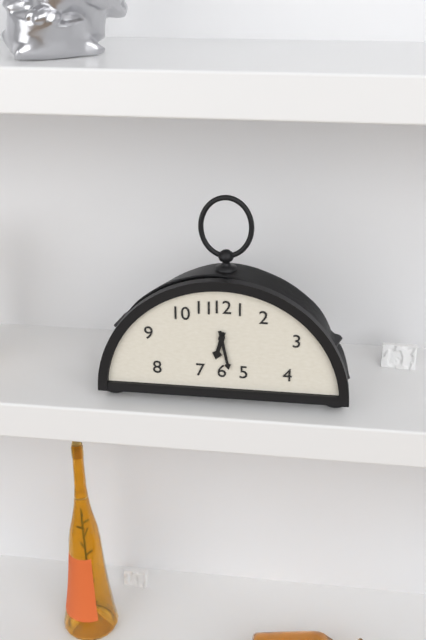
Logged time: **6:28**
